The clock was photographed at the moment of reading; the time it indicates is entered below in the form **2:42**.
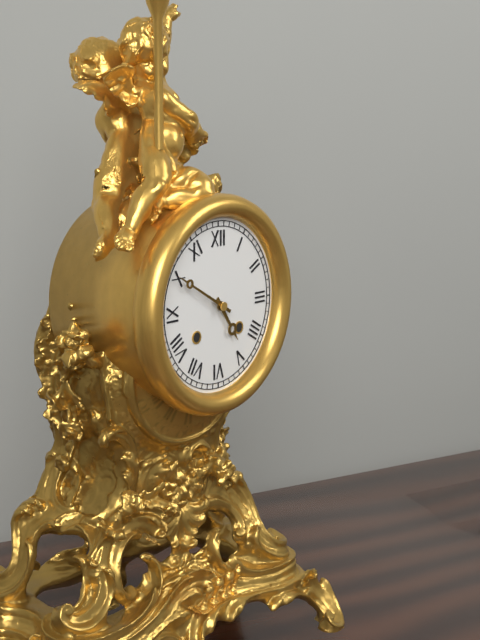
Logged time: **4:50**
